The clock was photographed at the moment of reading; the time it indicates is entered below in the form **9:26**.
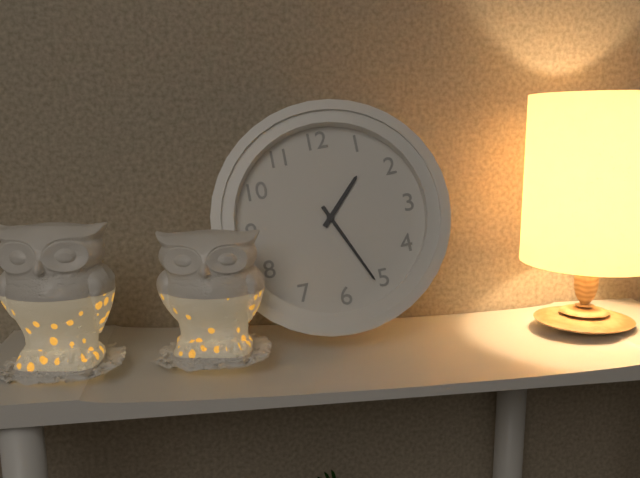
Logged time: **1:26**
